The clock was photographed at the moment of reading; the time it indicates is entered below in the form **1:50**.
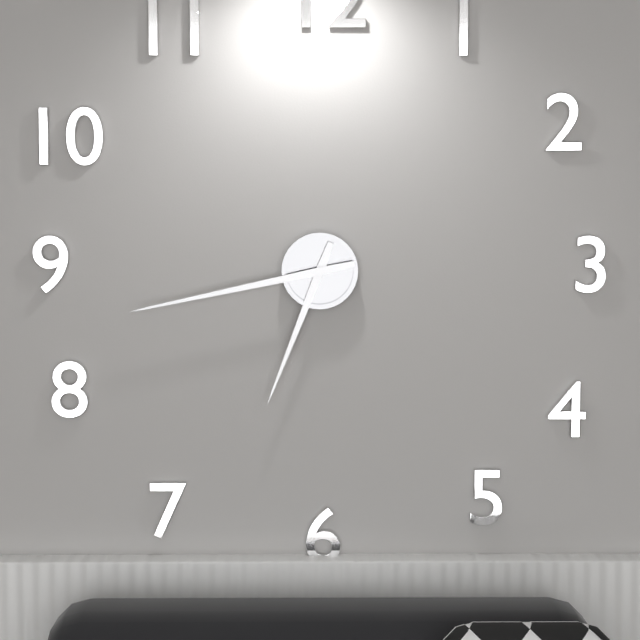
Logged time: **6:43**
